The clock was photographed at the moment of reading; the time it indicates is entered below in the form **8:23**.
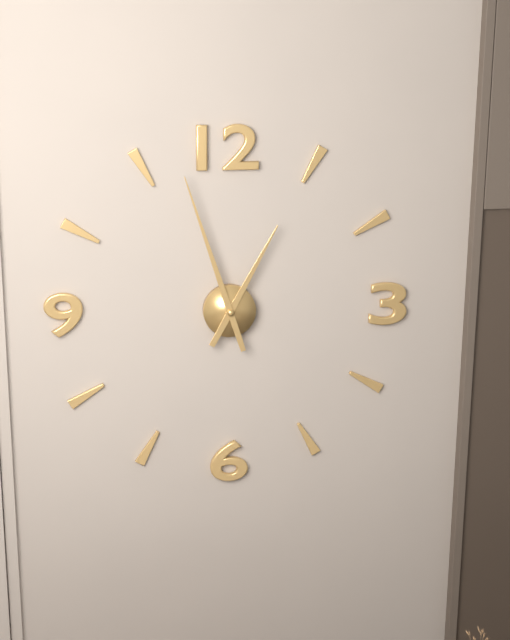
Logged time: **12:57**
